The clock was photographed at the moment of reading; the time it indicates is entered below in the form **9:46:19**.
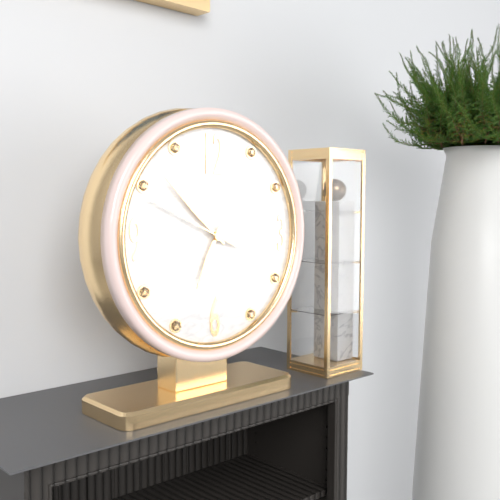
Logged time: **6:52:49**
